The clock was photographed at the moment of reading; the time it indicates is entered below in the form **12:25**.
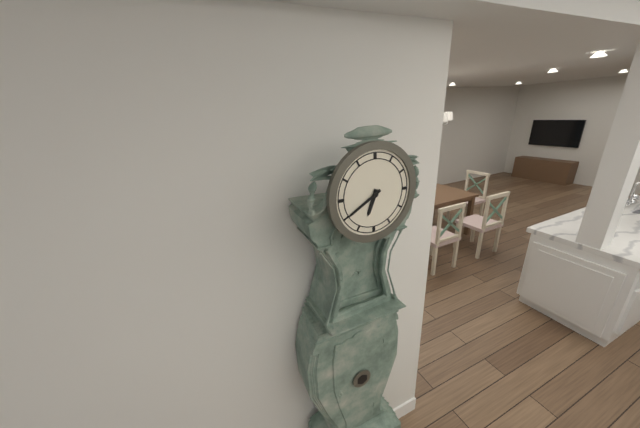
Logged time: **6:40**
